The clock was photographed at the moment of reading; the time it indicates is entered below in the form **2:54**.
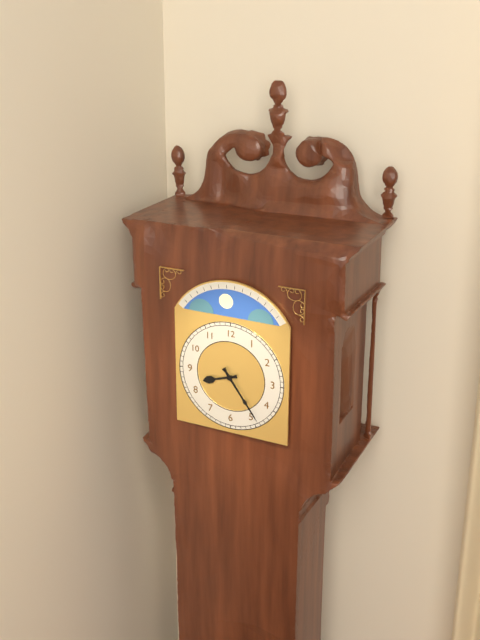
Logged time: **8:24**
